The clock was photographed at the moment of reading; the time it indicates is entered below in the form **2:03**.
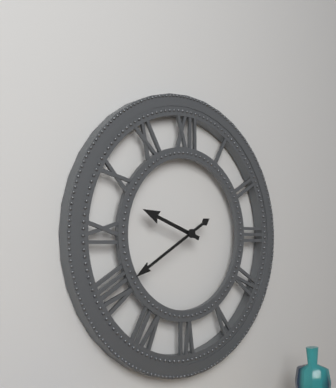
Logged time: **9:40**
